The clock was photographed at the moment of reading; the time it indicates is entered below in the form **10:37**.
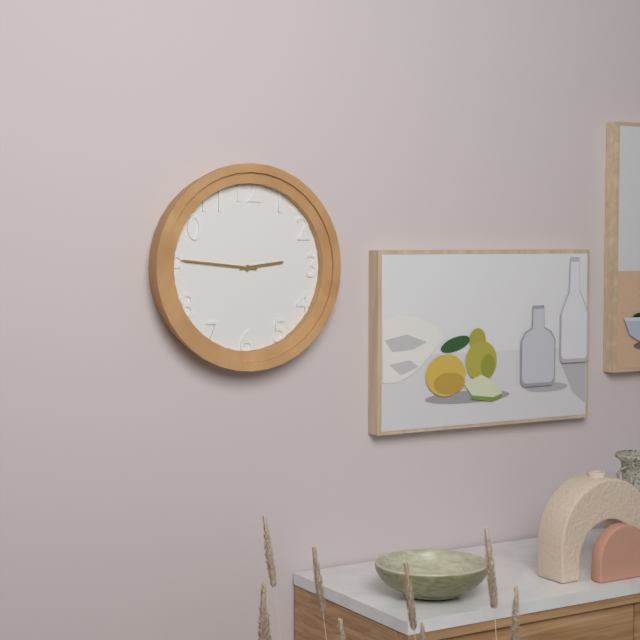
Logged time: **2:46**
